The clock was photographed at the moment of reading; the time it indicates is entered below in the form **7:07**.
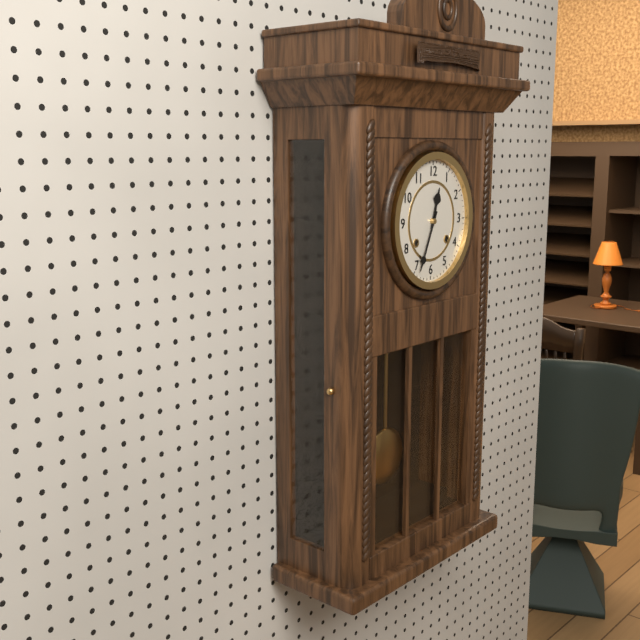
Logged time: **12:34**
